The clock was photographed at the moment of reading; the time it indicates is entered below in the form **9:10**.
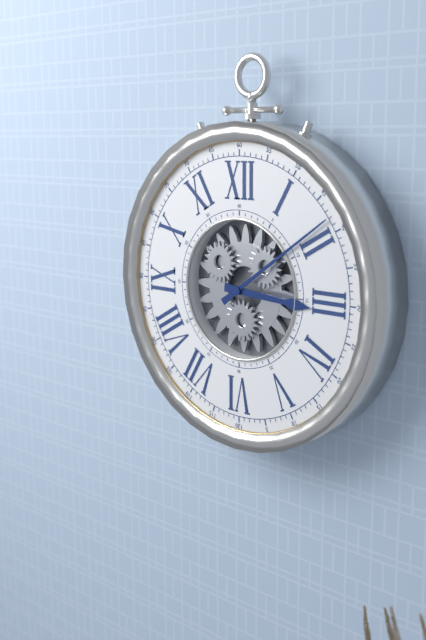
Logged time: **3:09**
